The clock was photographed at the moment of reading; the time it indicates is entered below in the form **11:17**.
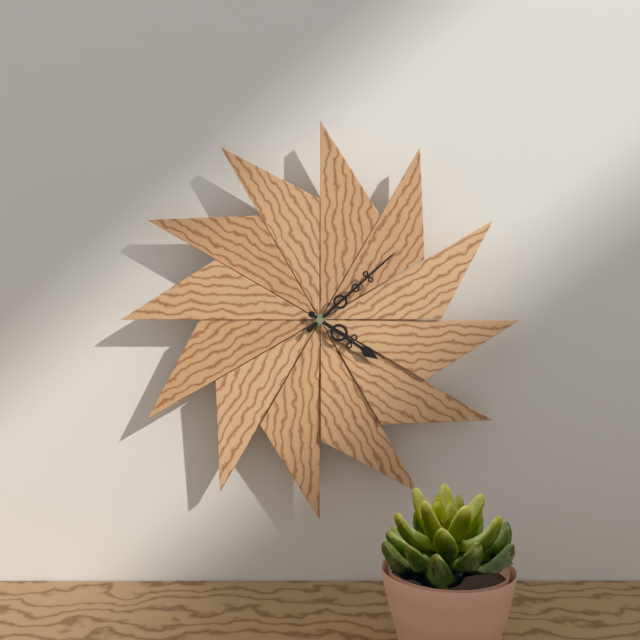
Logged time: **4:08**
